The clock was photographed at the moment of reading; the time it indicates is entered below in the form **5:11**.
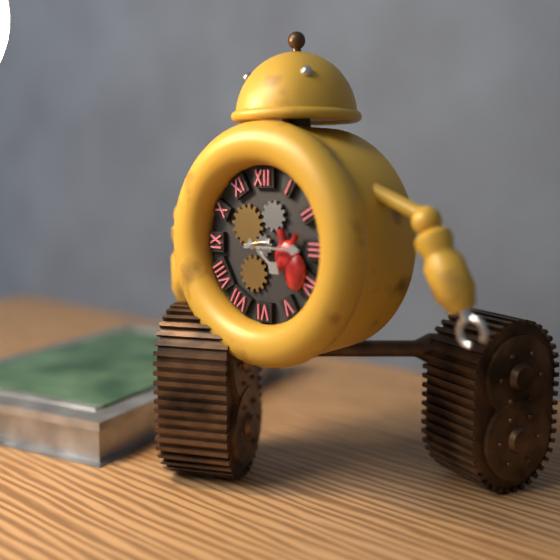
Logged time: **4:15**
